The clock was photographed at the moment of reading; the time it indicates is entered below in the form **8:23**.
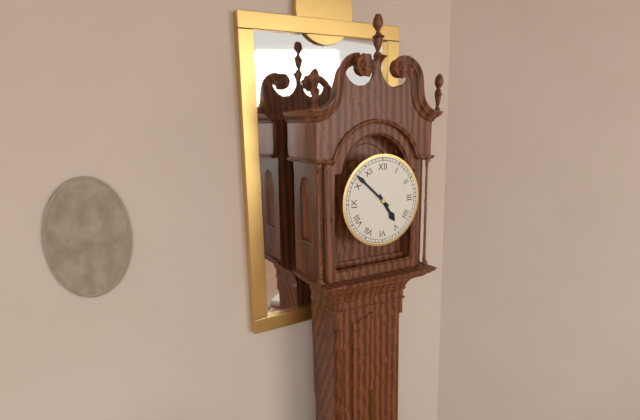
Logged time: **4:52**
